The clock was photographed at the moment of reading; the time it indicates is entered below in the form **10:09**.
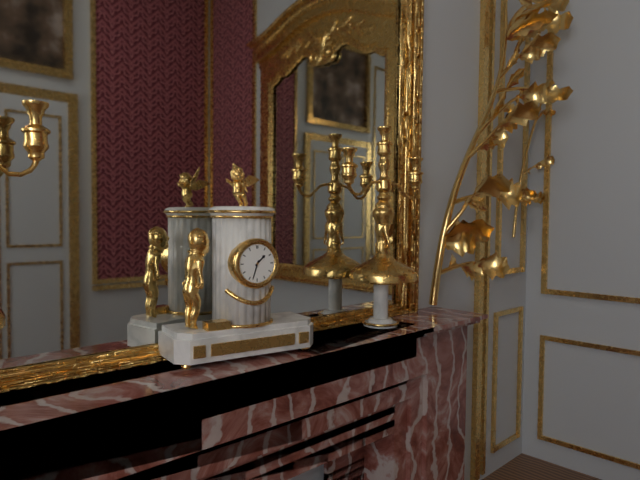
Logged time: **1:33**
